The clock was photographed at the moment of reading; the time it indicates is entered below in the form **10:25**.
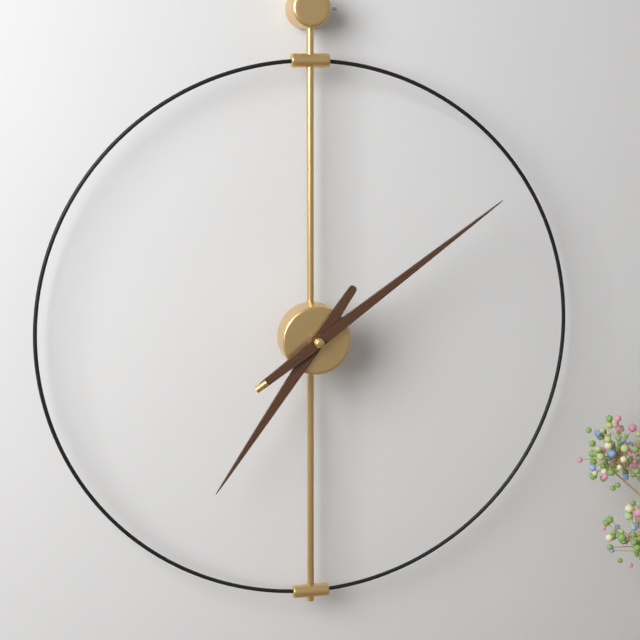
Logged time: **7:09**
